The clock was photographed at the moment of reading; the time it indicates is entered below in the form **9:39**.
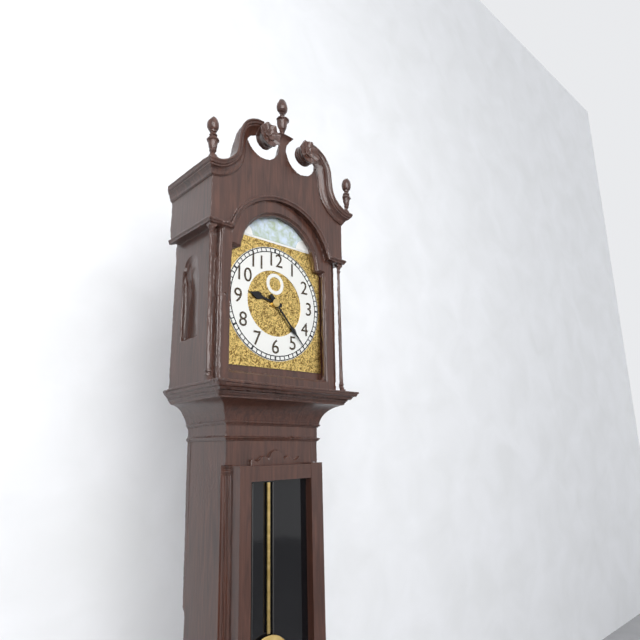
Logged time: **9:23**
